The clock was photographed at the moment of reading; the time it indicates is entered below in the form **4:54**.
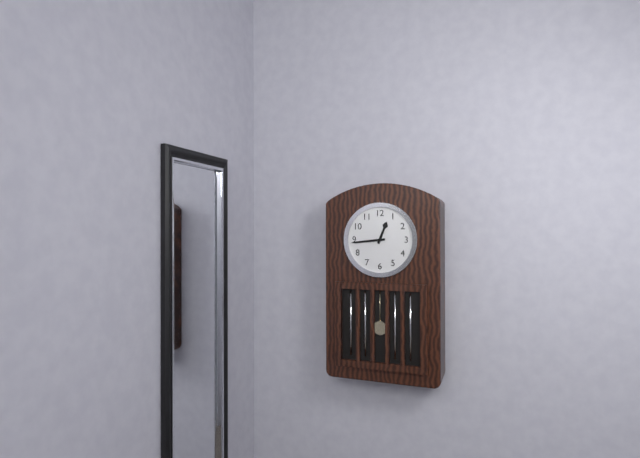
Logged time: **12:44**
